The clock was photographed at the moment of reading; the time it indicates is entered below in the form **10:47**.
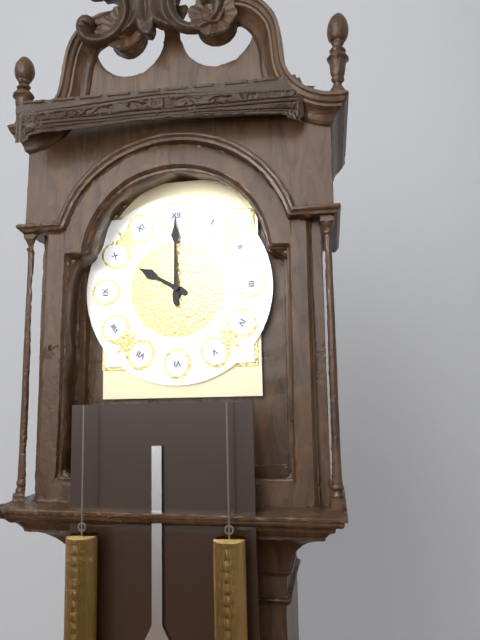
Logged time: **10:00**
